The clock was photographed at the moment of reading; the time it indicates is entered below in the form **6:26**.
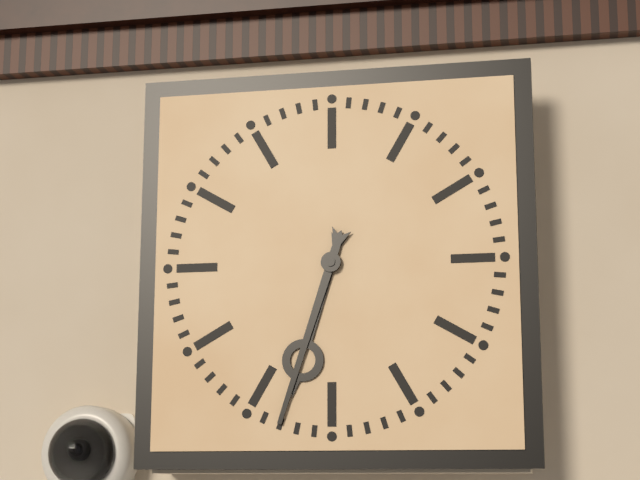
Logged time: **6:33**
